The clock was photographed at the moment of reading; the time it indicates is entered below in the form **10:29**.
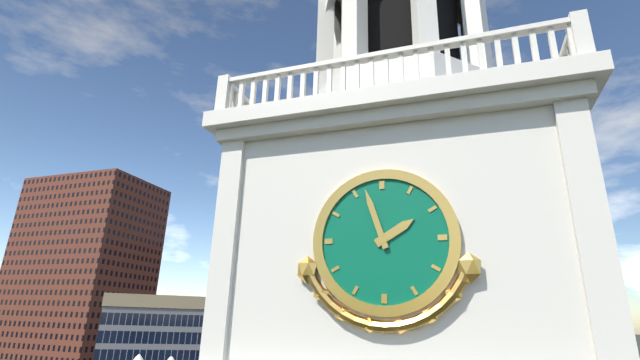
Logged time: **1:57**
